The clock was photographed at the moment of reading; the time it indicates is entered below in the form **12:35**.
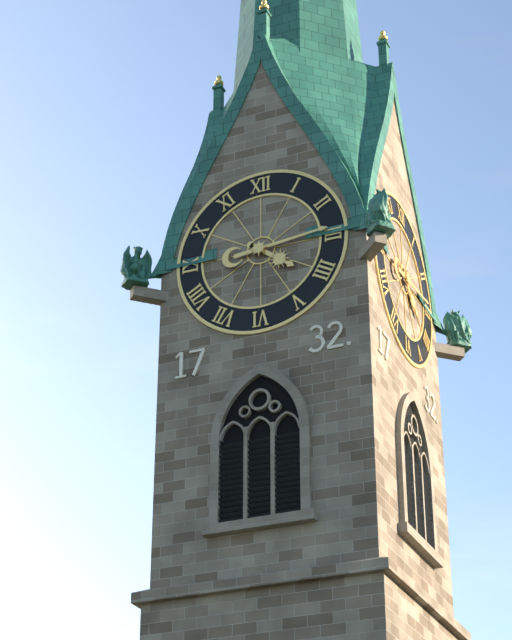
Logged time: **4:14**
